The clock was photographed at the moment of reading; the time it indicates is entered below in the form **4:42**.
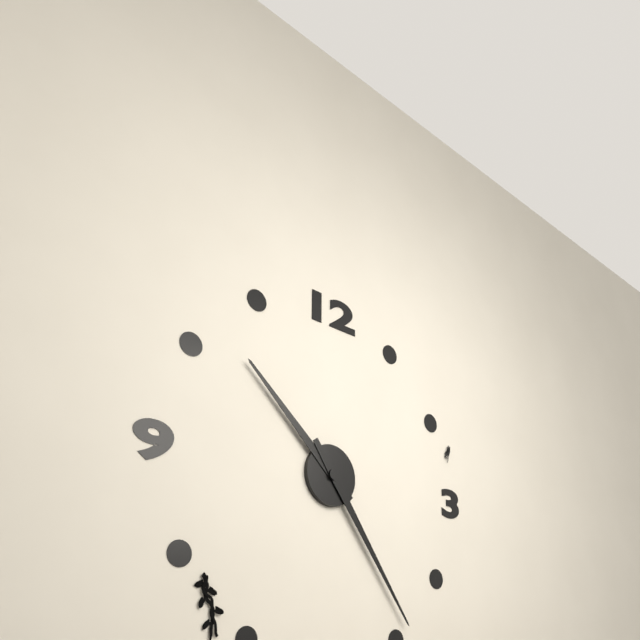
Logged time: **10:24**
